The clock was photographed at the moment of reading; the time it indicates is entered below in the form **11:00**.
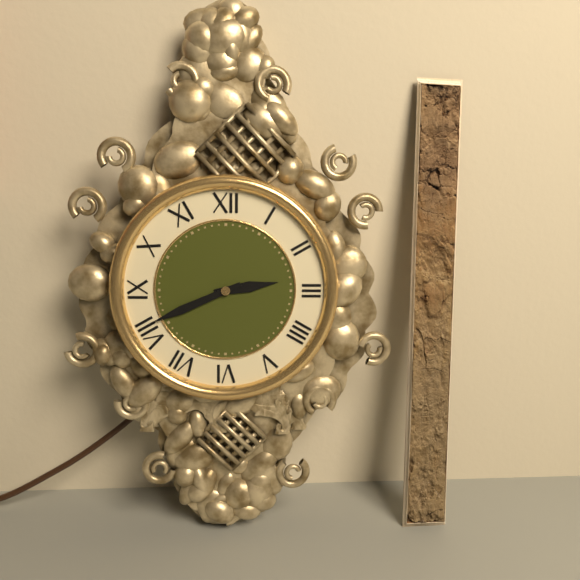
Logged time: **2:41**
